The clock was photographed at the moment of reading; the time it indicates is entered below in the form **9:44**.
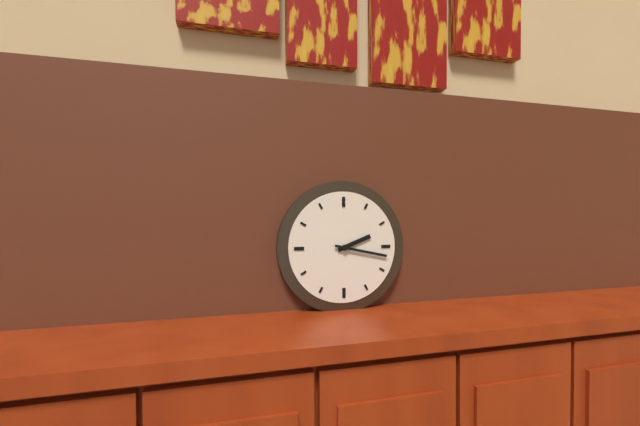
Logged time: **2:17**
